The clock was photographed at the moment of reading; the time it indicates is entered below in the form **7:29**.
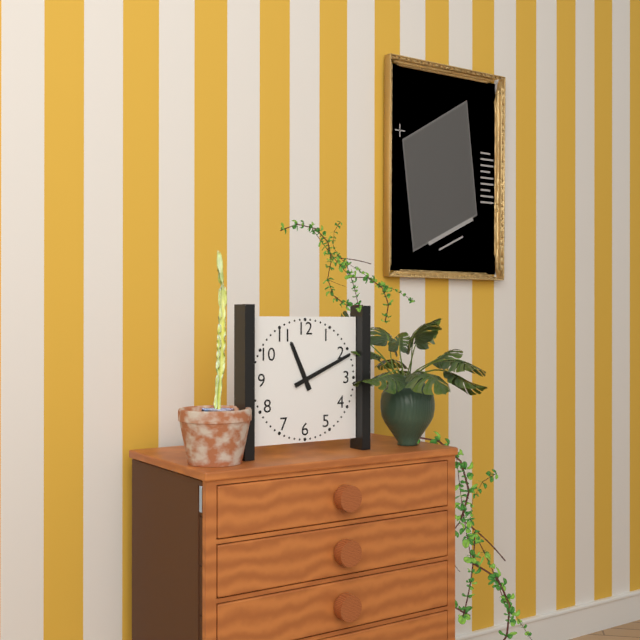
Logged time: **11:11**
